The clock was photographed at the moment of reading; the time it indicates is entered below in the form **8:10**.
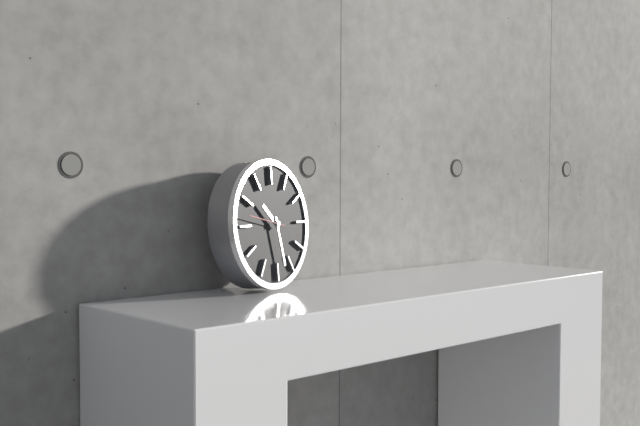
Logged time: **10:28**
